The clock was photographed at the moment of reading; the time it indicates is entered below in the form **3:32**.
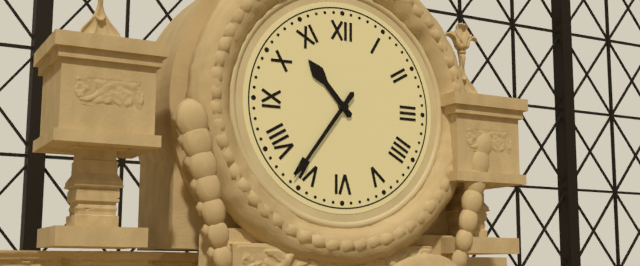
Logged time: **10:36**
